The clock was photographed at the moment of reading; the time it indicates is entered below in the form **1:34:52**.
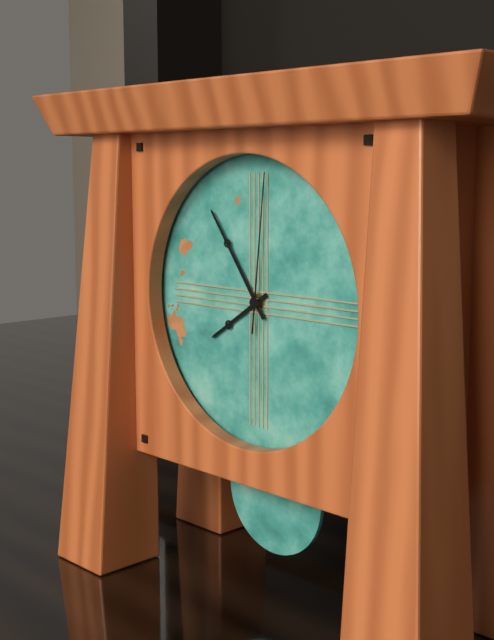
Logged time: **7:54:01**
